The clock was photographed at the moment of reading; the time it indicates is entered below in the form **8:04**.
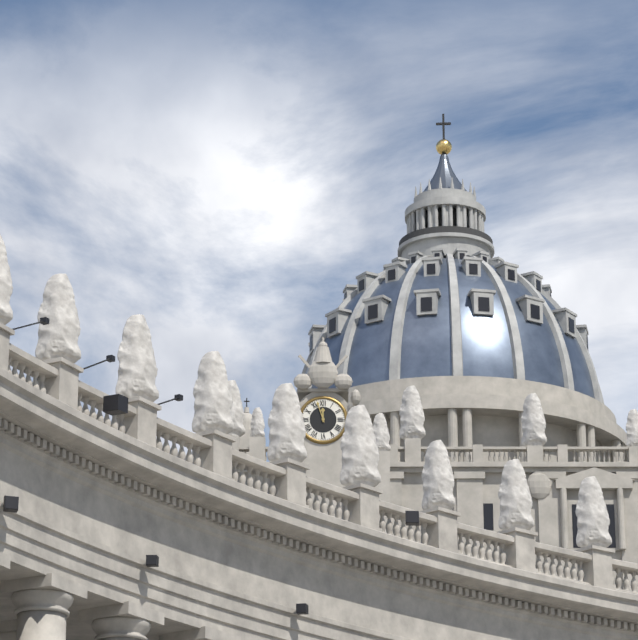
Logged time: **11:57**
